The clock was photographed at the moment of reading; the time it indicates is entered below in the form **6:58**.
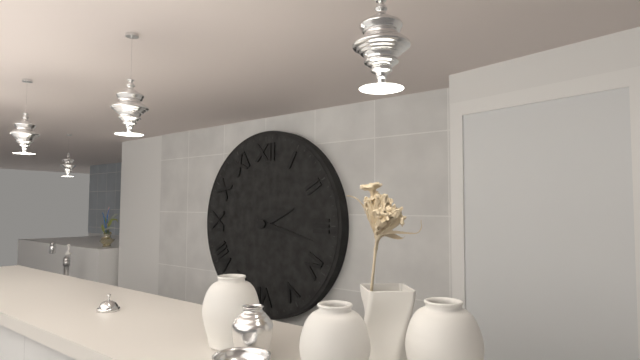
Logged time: **2:17**
